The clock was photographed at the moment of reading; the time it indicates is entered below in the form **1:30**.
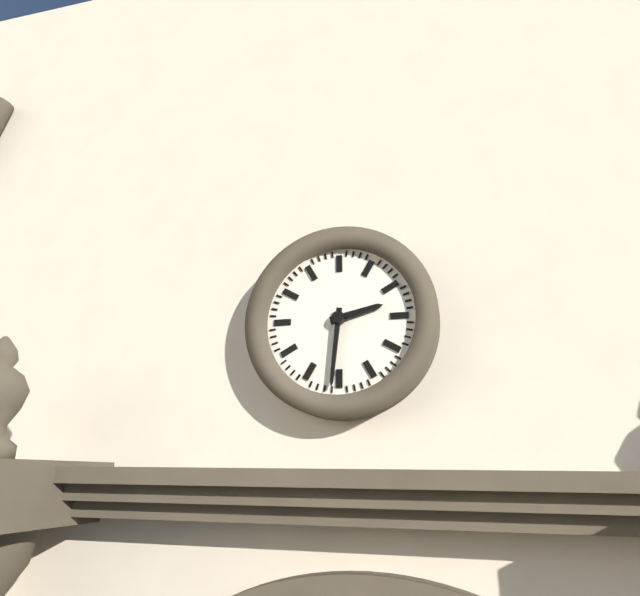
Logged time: **2:31**
